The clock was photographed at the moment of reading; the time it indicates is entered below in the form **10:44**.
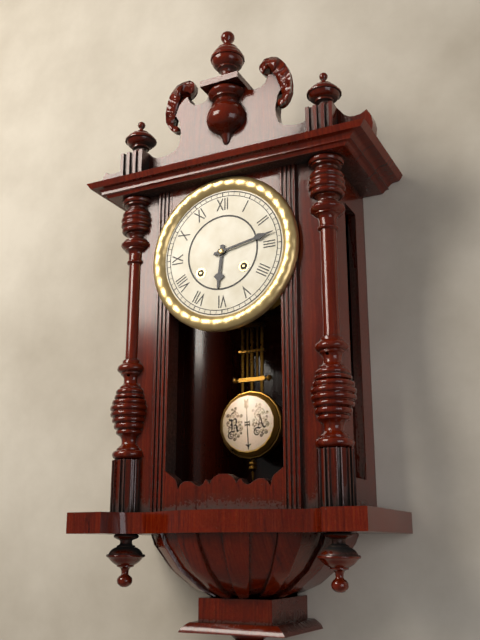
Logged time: **6:13**
